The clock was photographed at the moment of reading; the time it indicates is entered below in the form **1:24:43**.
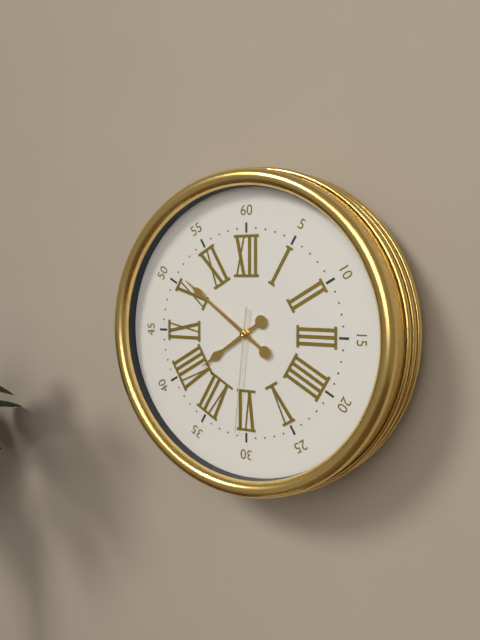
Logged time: **7:51:31**
